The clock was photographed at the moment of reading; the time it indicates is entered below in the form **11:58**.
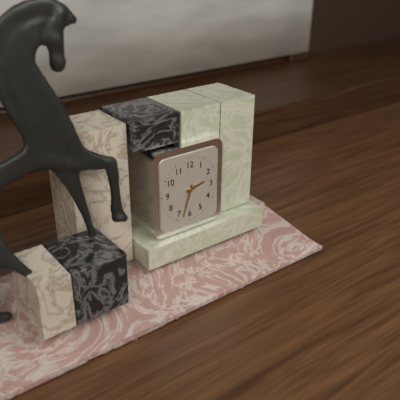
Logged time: **2:33**
